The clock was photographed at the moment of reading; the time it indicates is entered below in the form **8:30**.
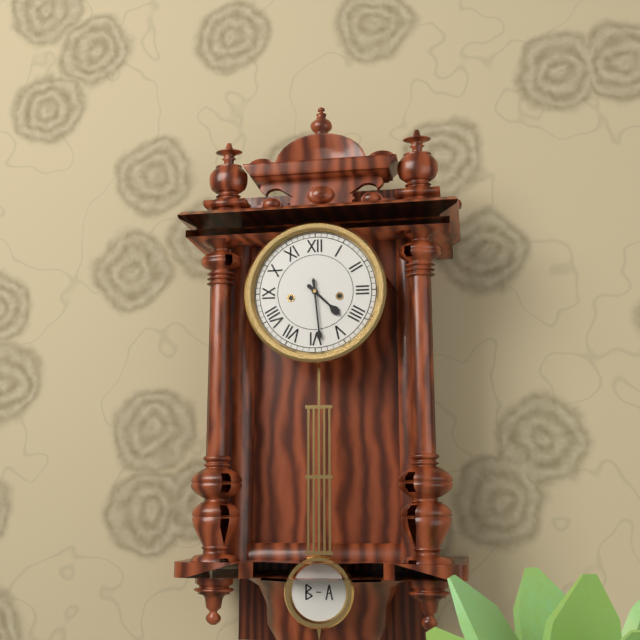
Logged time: **4:29**
